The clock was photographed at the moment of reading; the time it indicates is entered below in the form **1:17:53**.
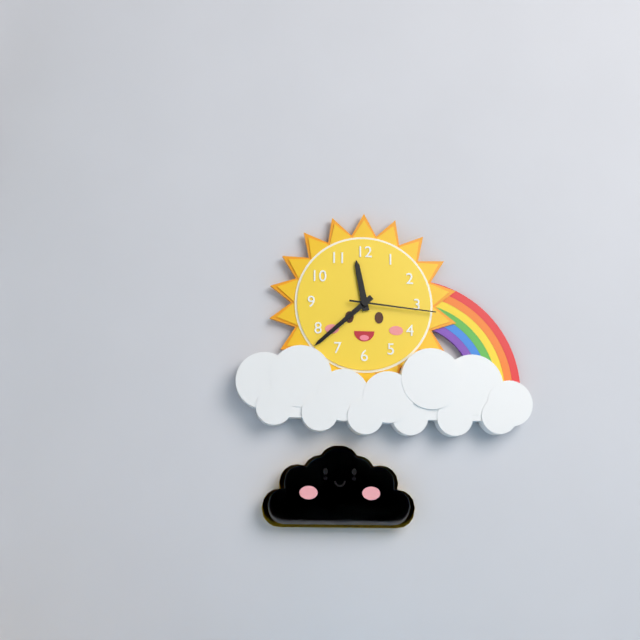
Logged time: **11:38:16**
